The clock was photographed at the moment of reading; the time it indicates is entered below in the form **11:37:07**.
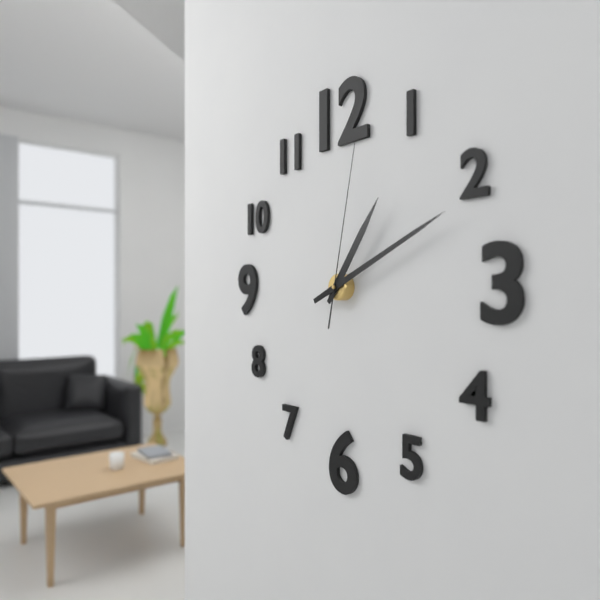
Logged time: **1:11:02**
